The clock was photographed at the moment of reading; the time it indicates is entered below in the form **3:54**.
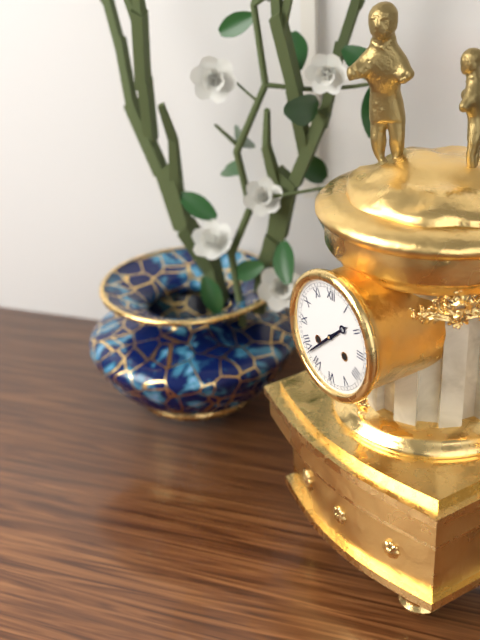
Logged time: **1:38**
